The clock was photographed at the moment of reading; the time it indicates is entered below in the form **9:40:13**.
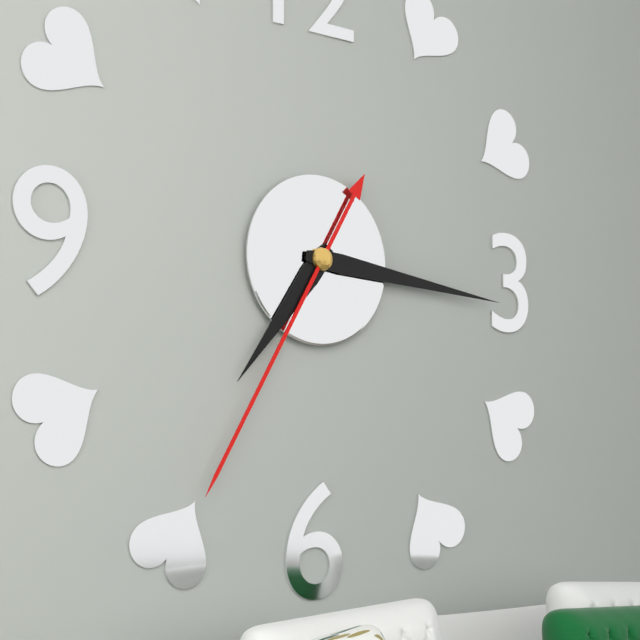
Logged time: **7:16:35**
